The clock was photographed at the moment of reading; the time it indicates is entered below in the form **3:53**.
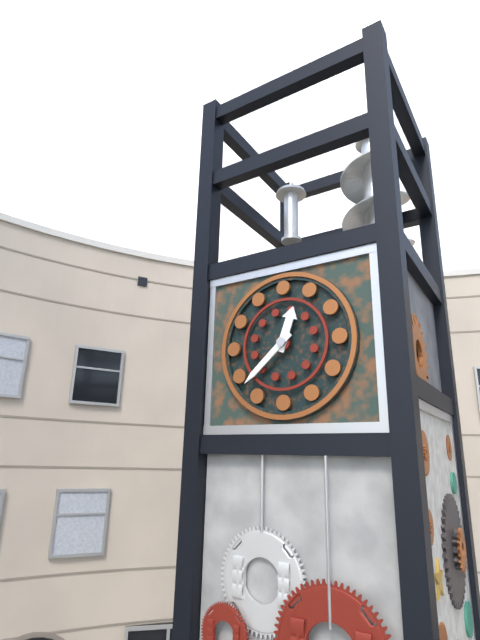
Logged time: **12:38**
